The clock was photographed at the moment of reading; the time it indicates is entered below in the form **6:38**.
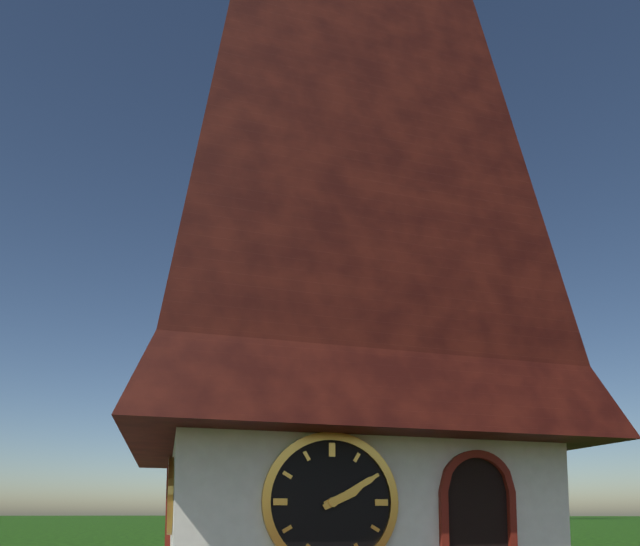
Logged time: **2:10**
